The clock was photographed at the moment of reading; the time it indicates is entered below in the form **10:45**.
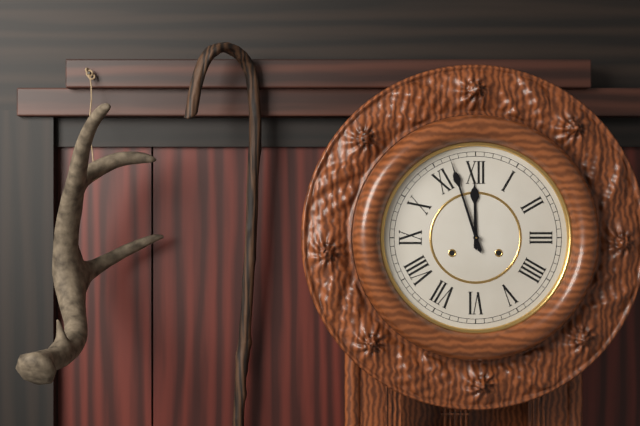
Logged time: **11:57**
